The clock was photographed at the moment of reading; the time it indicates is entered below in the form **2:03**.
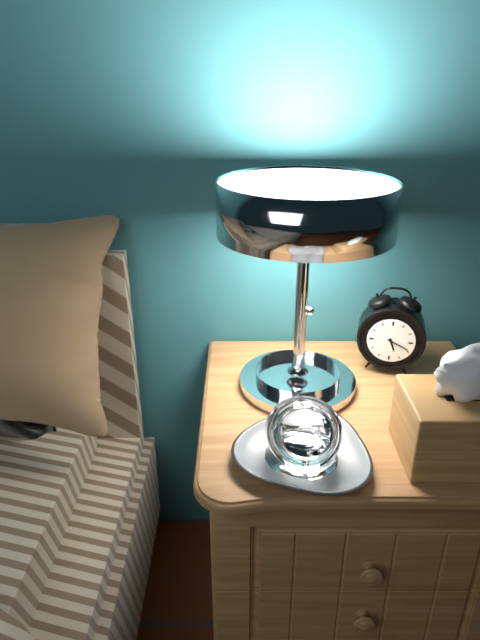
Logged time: **5:19**
